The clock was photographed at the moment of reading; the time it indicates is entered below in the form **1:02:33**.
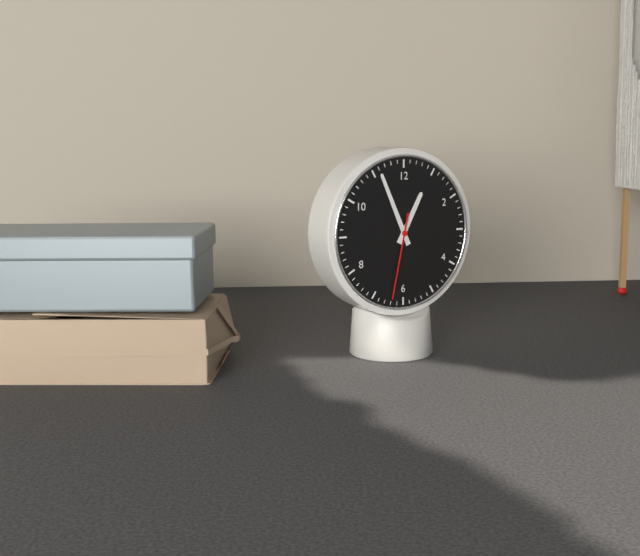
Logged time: **12:56:32**
